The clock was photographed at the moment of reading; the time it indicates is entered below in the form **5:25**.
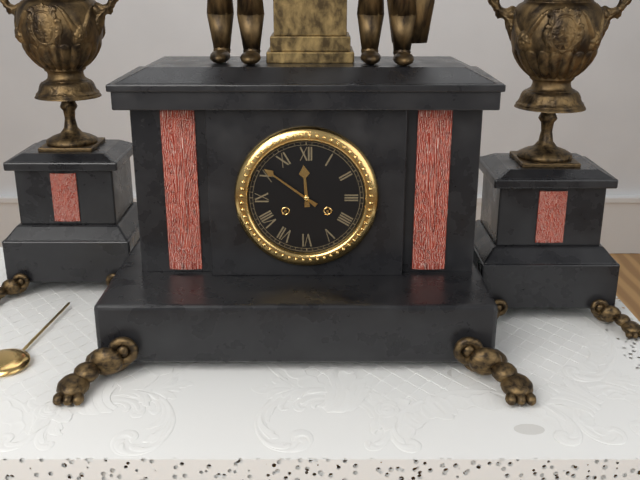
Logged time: **11:51**
